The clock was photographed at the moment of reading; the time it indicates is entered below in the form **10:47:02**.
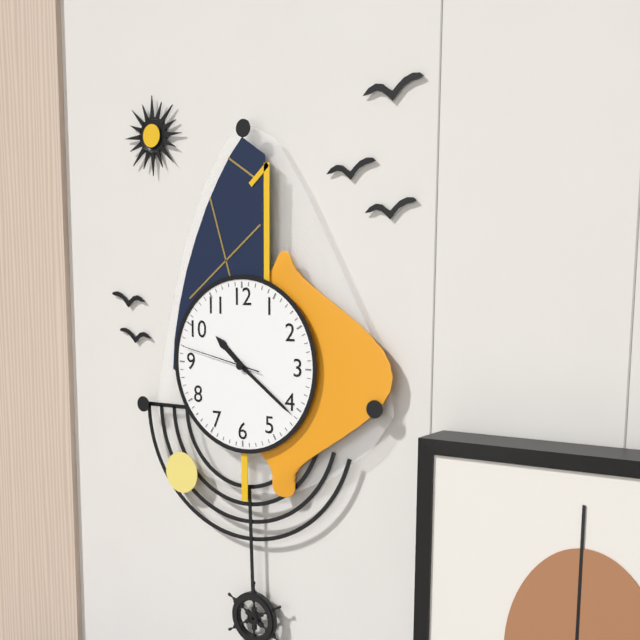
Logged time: **10:21:47**
